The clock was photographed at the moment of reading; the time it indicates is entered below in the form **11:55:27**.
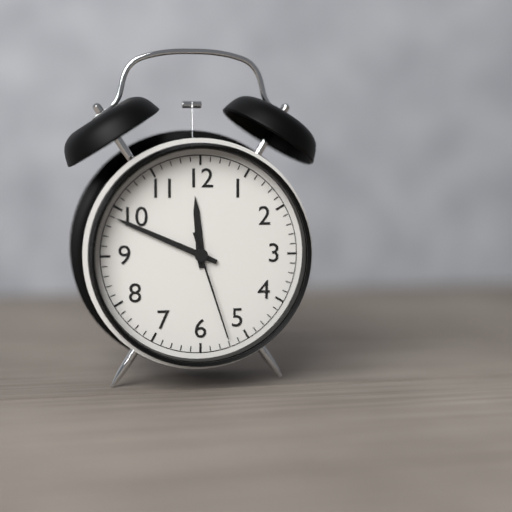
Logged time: **11:49:27**
